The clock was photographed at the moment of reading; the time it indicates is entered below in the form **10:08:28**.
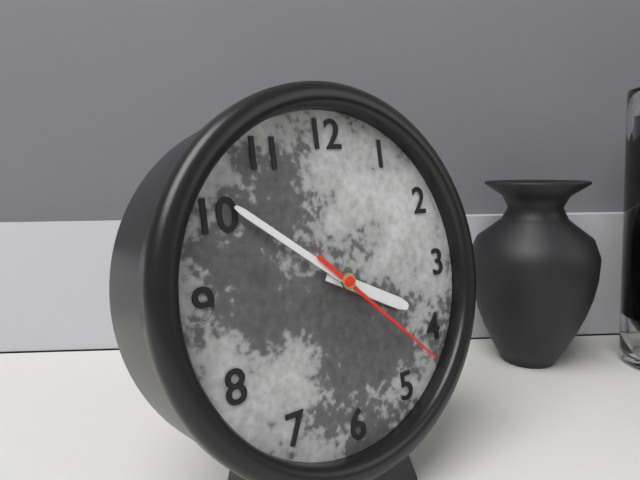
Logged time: **3:51:22**
